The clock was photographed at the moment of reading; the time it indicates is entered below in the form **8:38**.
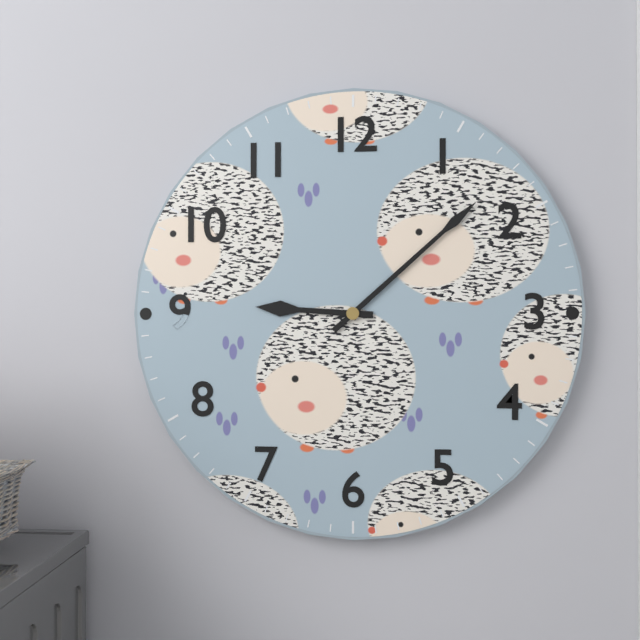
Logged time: **9:08**
